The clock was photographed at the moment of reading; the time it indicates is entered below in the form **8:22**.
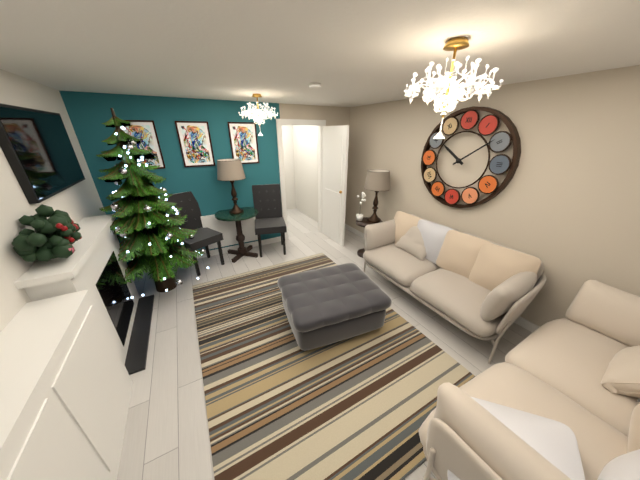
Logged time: **10:09**
